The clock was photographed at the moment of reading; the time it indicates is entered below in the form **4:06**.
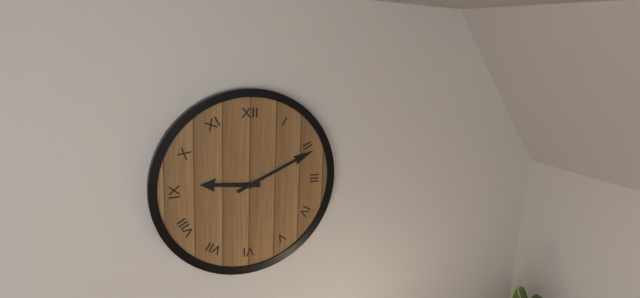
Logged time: **9:11**
